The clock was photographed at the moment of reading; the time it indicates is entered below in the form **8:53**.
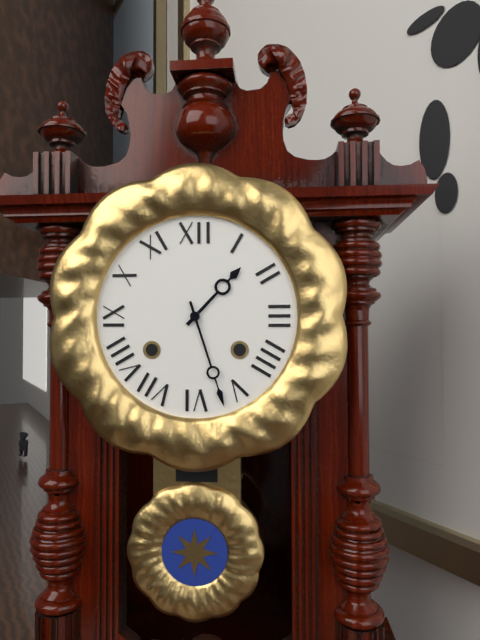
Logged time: **1:27**
